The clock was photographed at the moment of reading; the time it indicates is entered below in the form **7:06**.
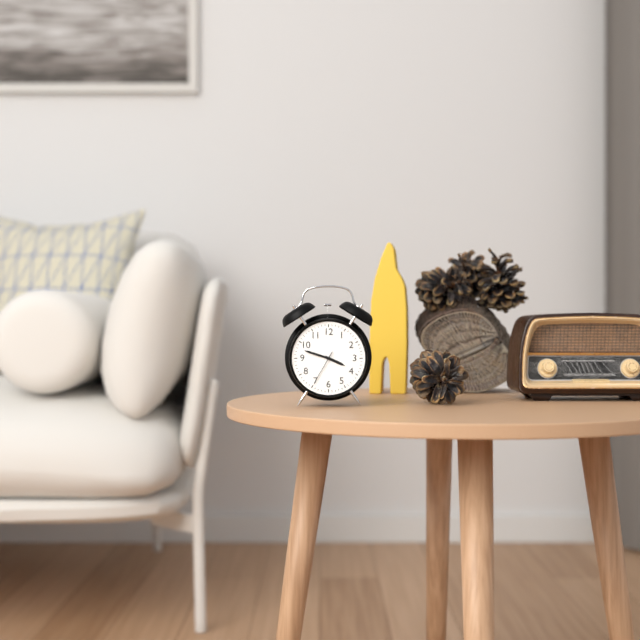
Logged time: **3:48**
